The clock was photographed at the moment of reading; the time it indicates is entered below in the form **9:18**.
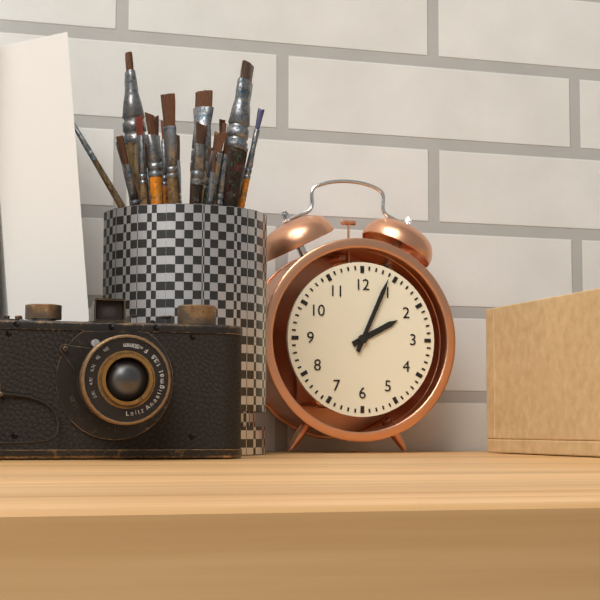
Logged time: **2:04**
